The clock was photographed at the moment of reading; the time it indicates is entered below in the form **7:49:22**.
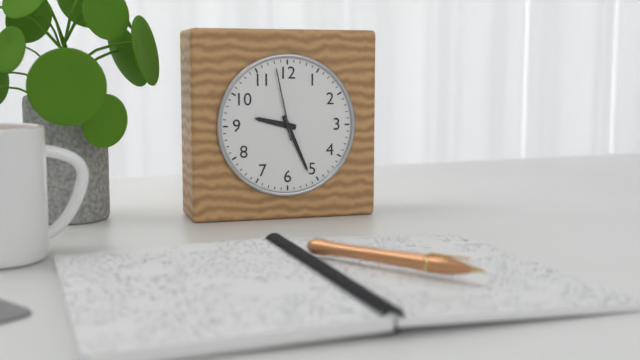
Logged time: **9:26:58**
